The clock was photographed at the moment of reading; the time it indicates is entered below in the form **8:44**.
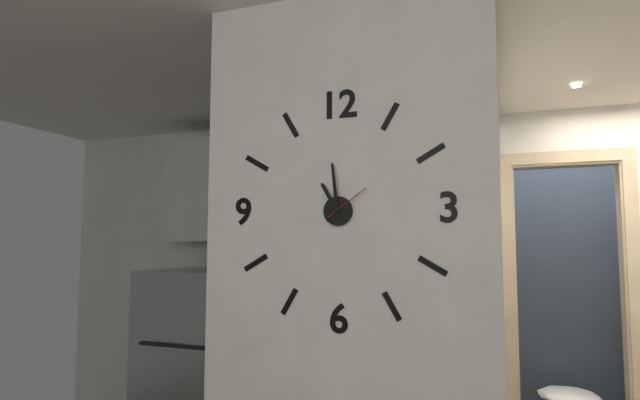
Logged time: **10:59**
